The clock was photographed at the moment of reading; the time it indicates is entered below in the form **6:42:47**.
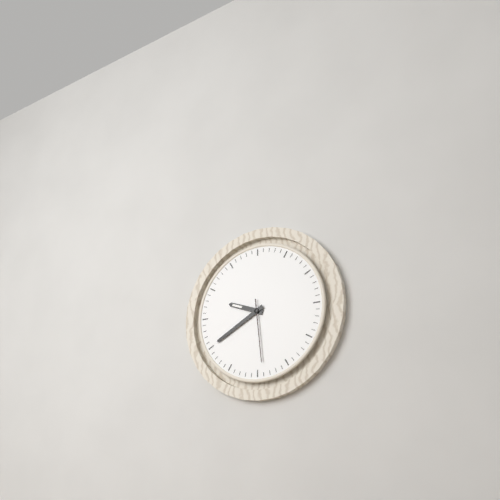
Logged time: **9:40:29**
